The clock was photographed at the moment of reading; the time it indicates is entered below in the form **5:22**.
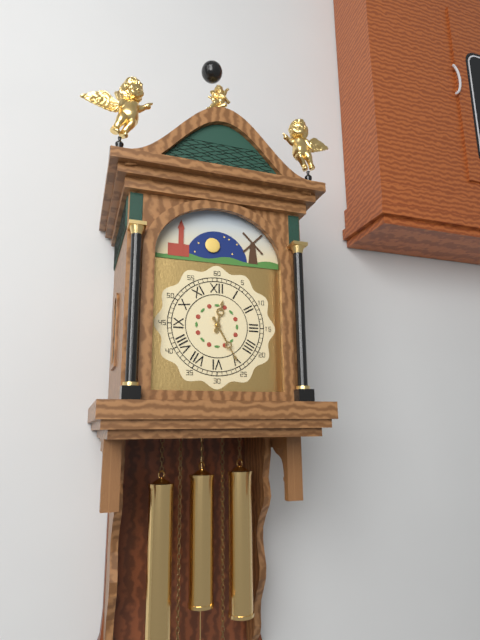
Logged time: **12:25**
